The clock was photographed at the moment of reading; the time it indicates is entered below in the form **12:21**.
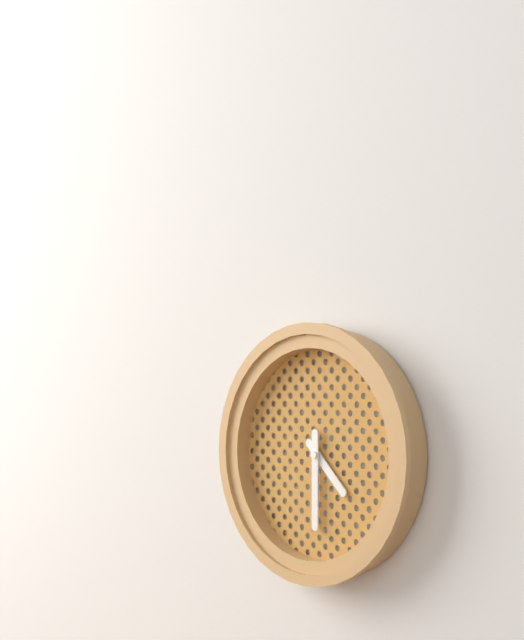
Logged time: **4:30**
